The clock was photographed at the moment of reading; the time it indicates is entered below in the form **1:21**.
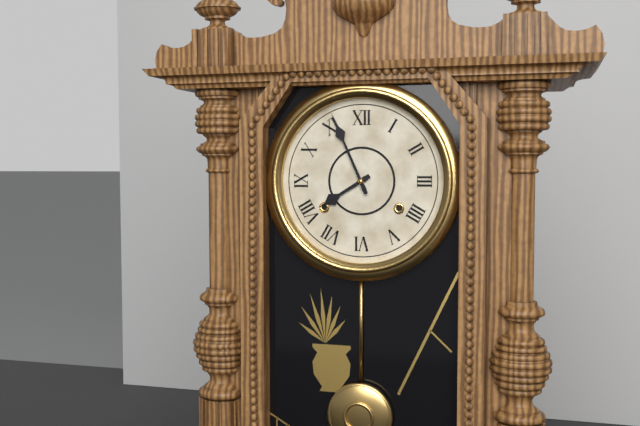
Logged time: **7:56**
